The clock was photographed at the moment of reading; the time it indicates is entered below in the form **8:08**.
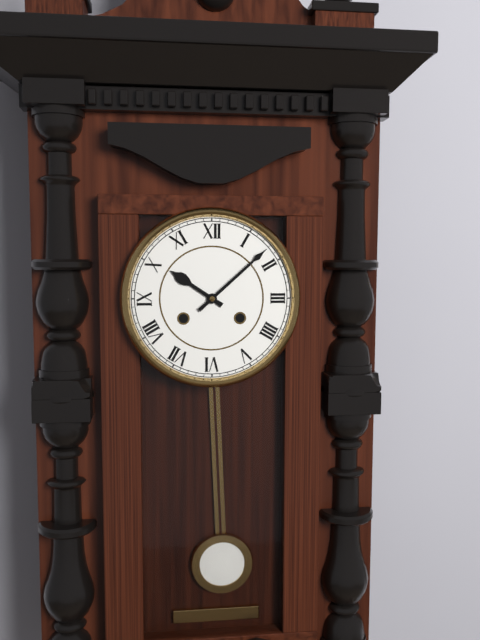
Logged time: **10:08**
